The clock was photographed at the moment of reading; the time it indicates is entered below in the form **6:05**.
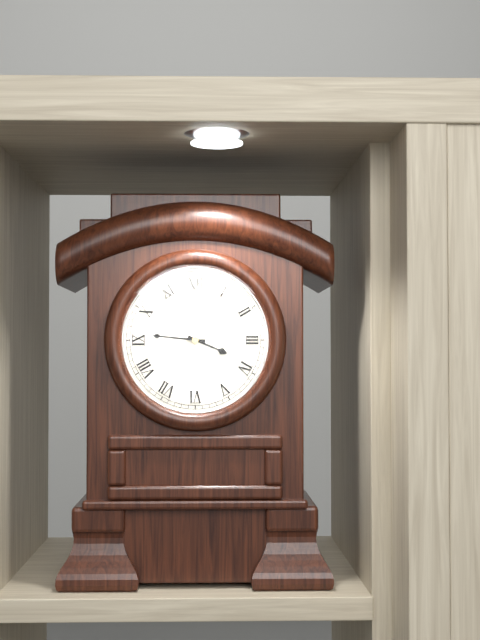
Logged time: **3:46**
